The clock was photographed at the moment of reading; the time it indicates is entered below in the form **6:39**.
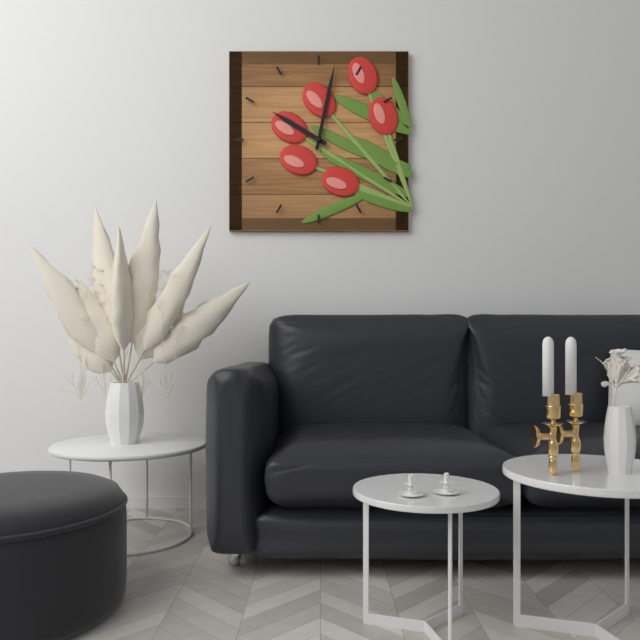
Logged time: **10:02**
